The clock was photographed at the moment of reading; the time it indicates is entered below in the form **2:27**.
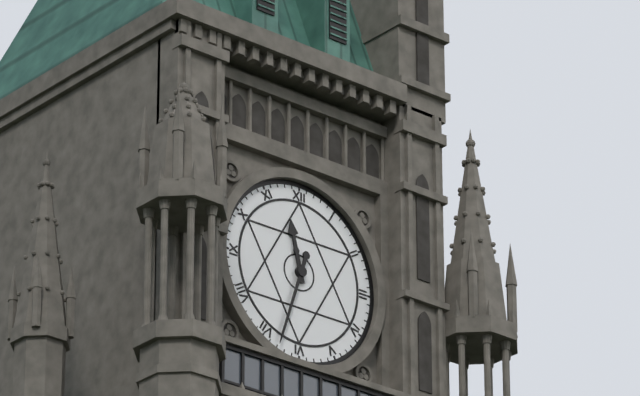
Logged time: **11:33**
